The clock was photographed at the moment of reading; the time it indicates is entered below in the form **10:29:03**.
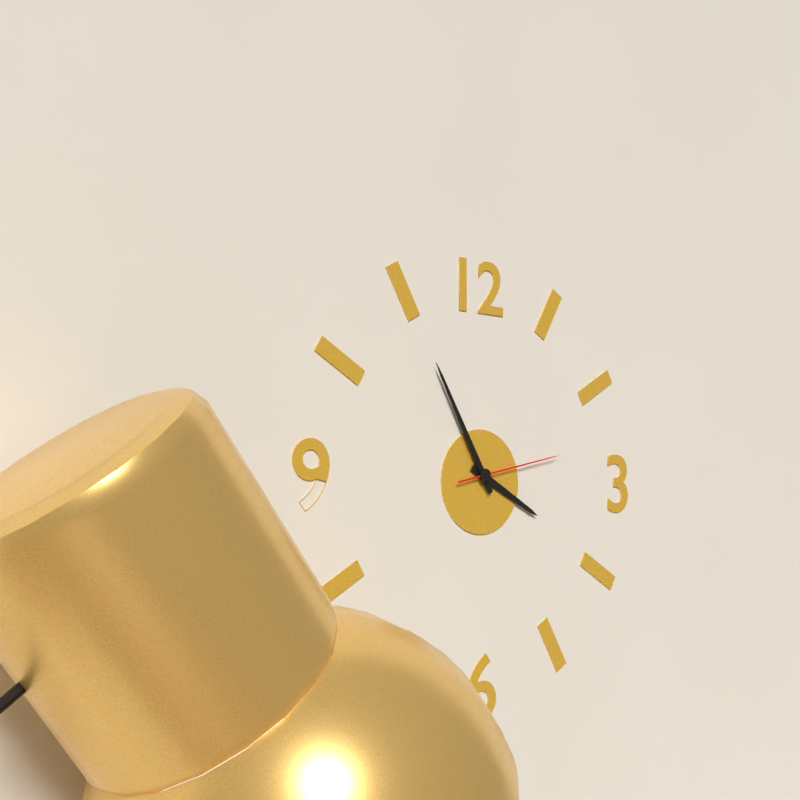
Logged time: **3:55:13**
